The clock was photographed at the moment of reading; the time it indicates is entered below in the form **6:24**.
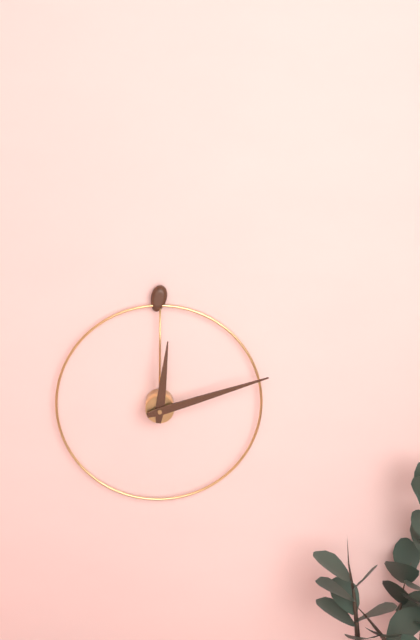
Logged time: **12:12**
